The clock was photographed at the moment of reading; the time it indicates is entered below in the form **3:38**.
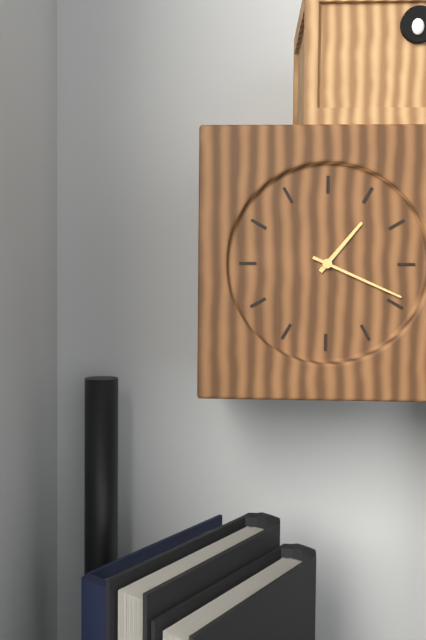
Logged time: **1:19**
